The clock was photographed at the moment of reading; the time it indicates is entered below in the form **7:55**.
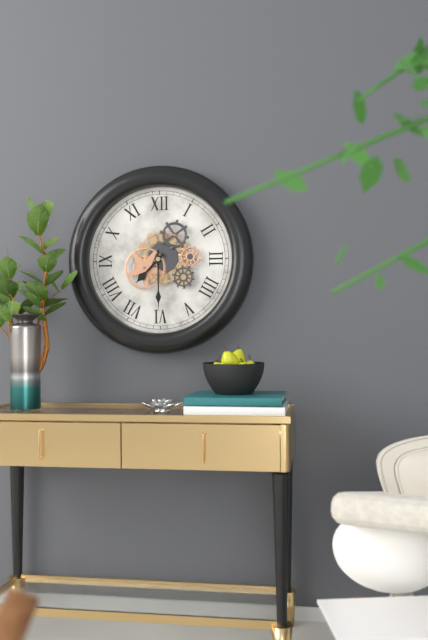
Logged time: **7:30**
